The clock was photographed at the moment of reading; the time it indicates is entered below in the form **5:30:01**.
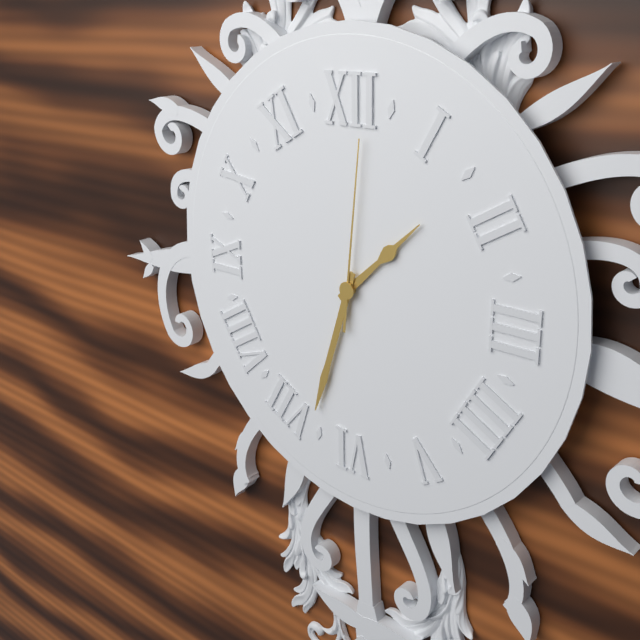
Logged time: **1:33:01**
